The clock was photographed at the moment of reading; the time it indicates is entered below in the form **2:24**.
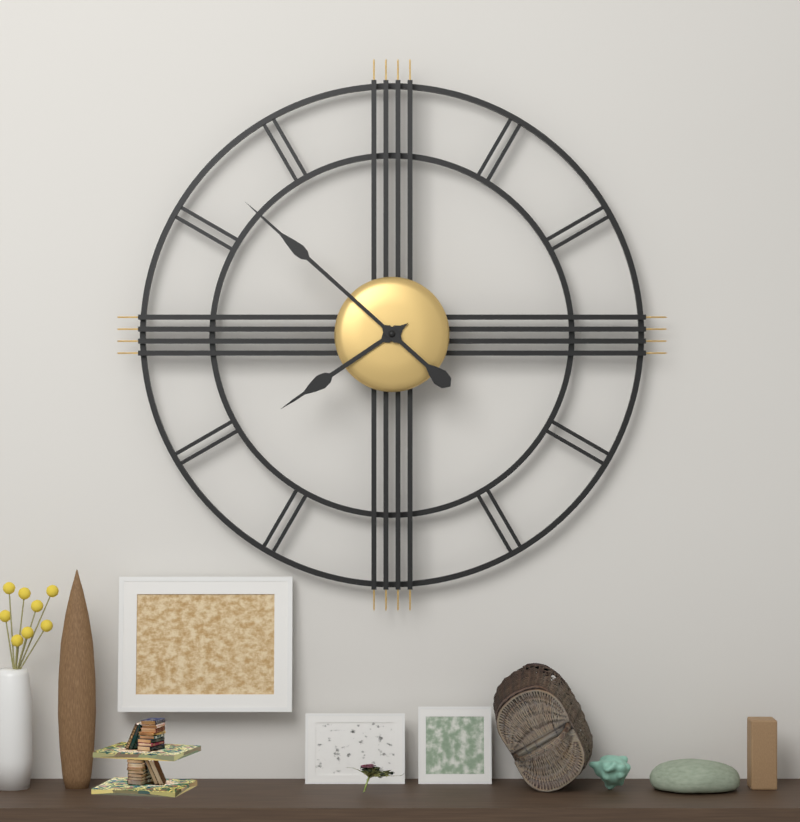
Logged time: **7:52**
